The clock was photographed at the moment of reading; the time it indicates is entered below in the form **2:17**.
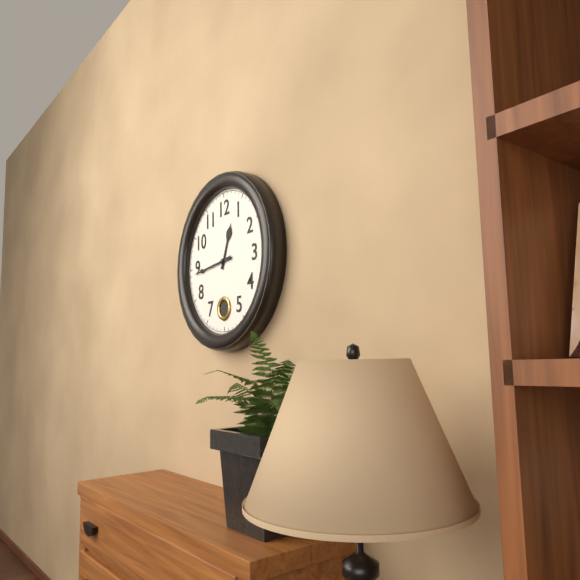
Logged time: **12:44**
